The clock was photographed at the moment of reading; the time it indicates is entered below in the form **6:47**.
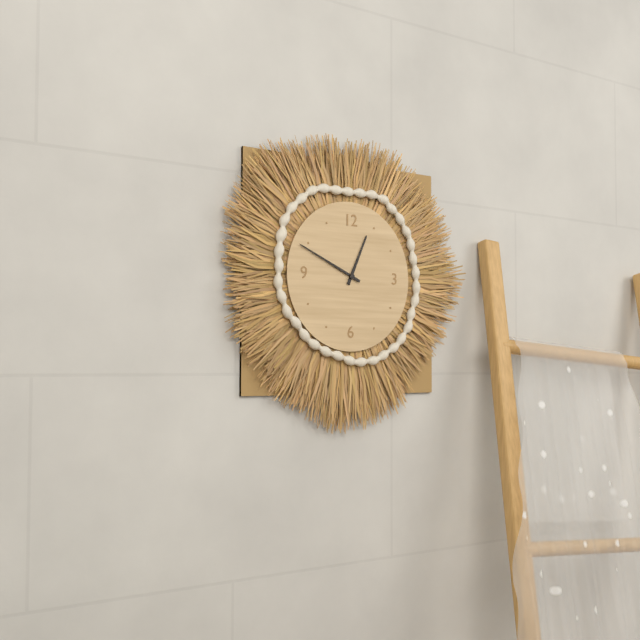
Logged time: **12:49**
